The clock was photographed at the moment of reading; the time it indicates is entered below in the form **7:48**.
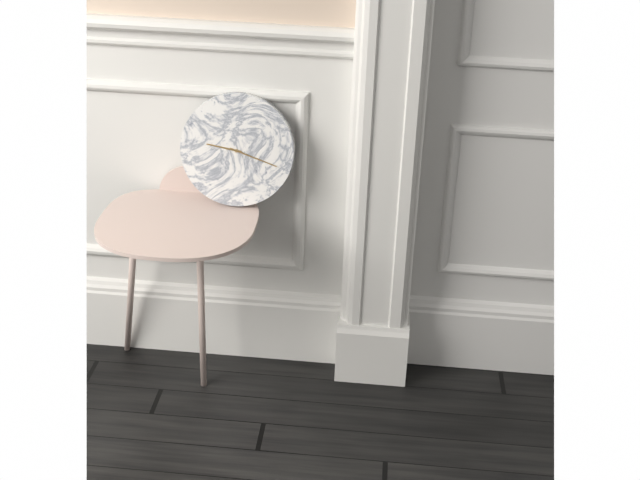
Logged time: **9:18**
